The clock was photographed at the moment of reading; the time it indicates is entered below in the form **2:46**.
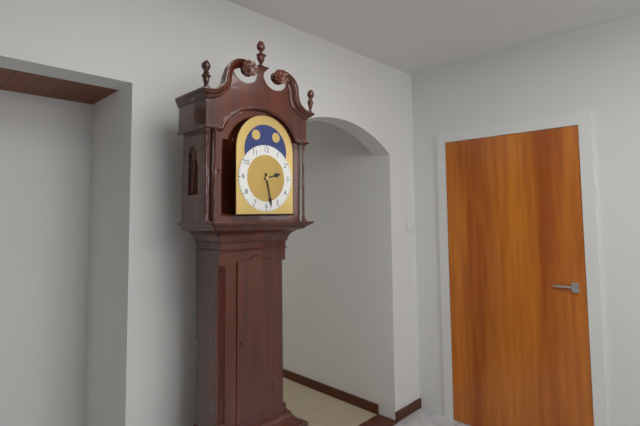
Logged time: **2:28**
